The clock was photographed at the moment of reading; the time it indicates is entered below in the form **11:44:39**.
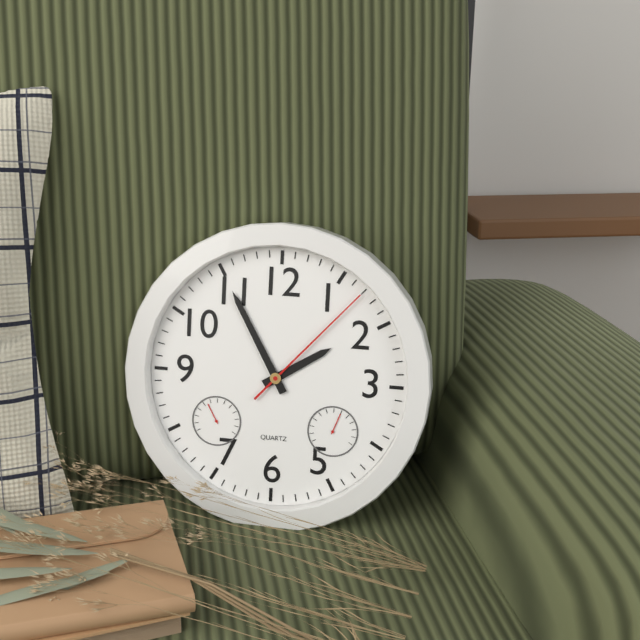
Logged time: **1:55:07**
